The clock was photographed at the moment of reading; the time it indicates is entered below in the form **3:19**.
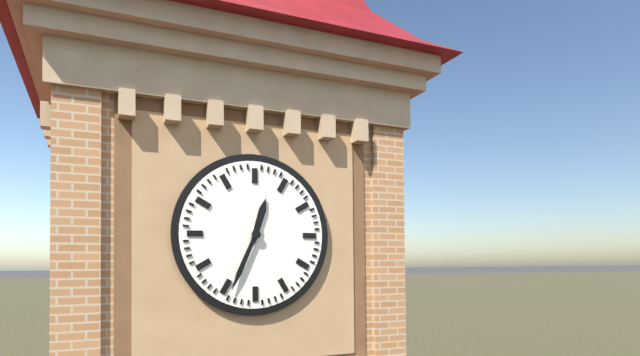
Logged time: **12:34**
